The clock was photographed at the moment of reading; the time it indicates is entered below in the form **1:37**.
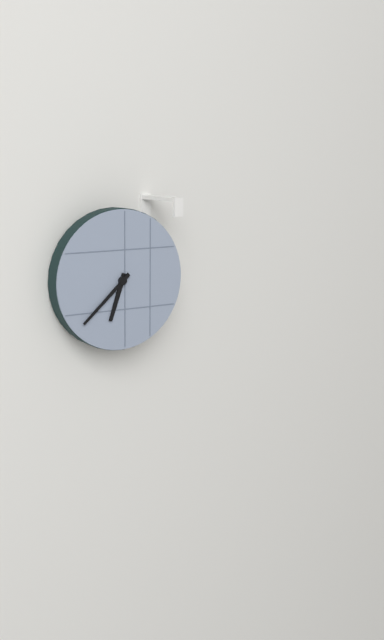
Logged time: **6:38**
